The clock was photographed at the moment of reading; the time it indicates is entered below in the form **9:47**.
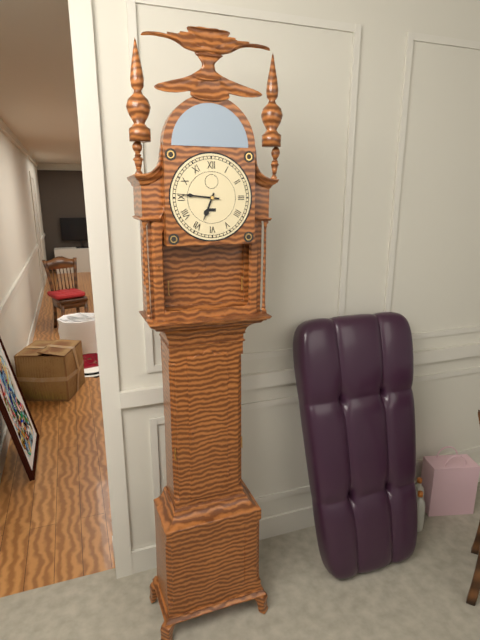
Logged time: **6:46**
